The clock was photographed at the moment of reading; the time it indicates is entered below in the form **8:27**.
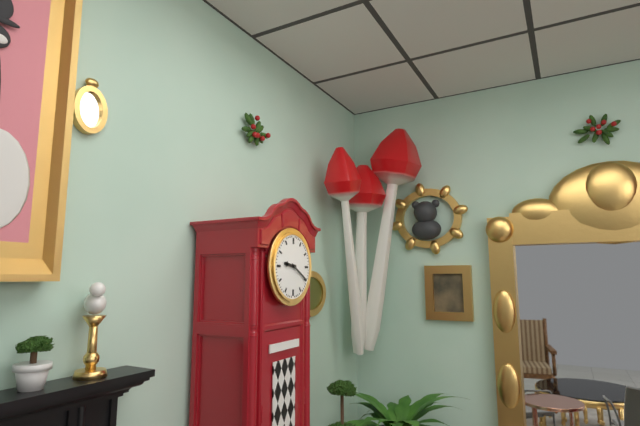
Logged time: **9:20**
